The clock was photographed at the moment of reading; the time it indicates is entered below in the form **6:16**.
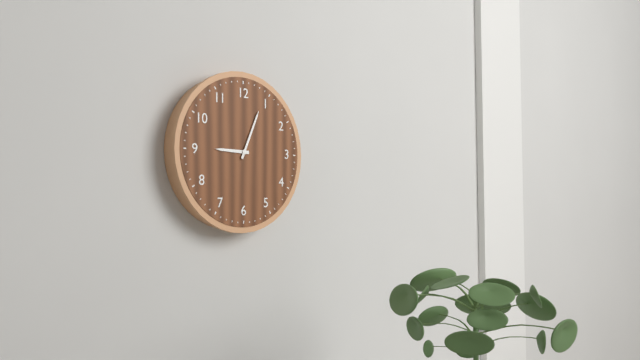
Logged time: **9:04**
